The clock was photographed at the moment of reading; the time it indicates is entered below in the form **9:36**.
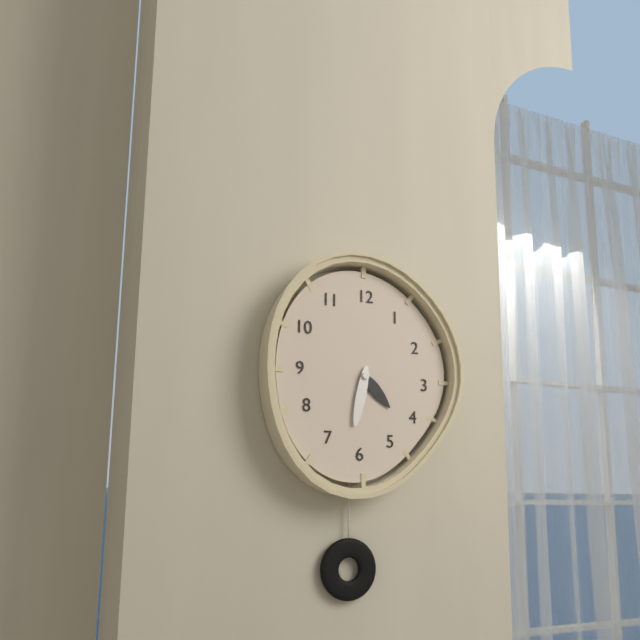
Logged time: **4:32**
